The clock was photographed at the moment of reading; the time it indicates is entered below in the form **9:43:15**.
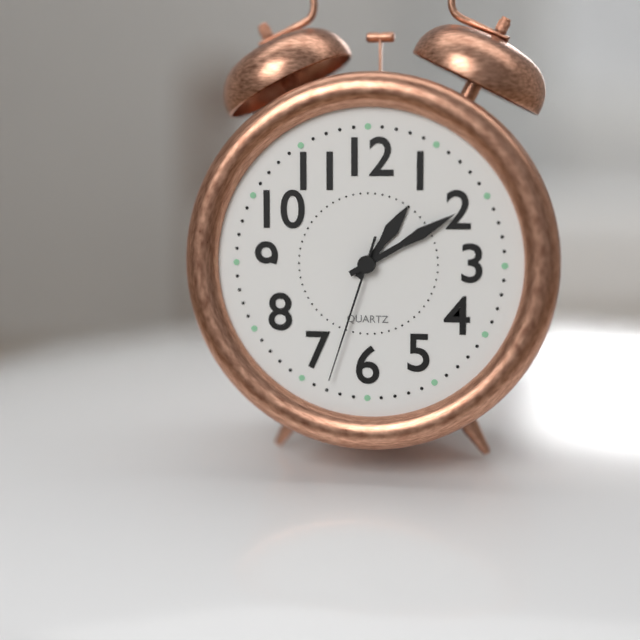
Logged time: **1:10:33**
